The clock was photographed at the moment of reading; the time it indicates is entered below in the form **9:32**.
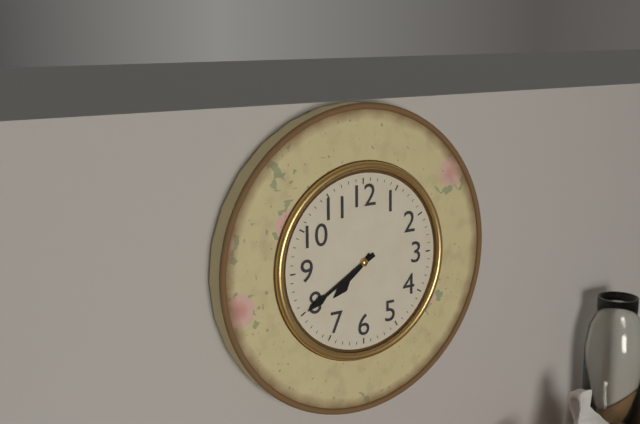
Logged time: **7:40**
